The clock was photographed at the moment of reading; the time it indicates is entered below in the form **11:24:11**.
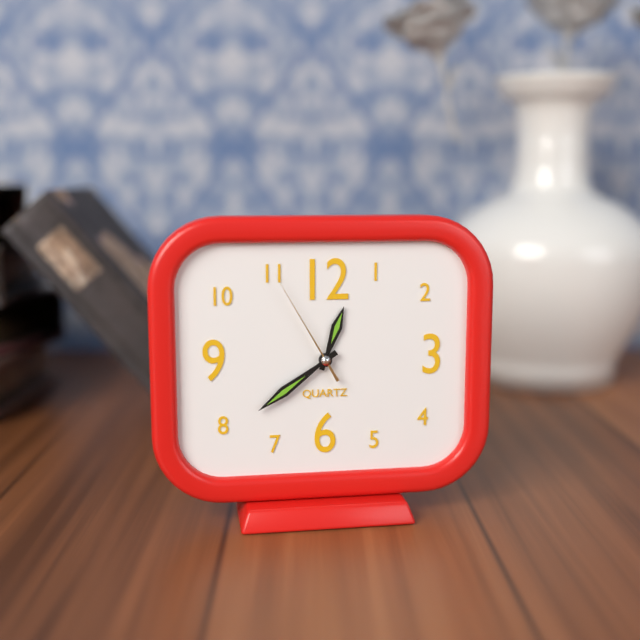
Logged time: **12:39:55**
